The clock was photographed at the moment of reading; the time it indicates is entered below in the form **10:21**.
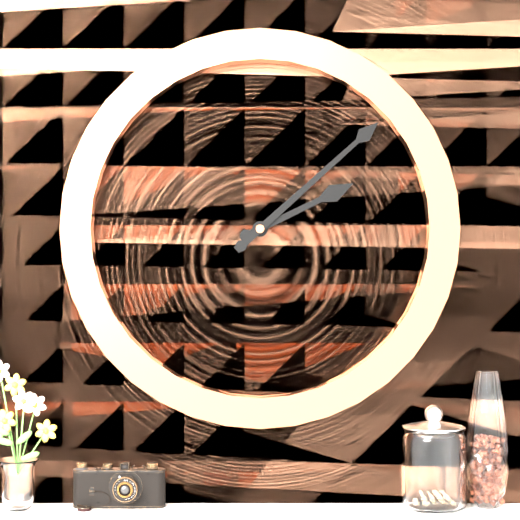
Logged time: **2:08**
